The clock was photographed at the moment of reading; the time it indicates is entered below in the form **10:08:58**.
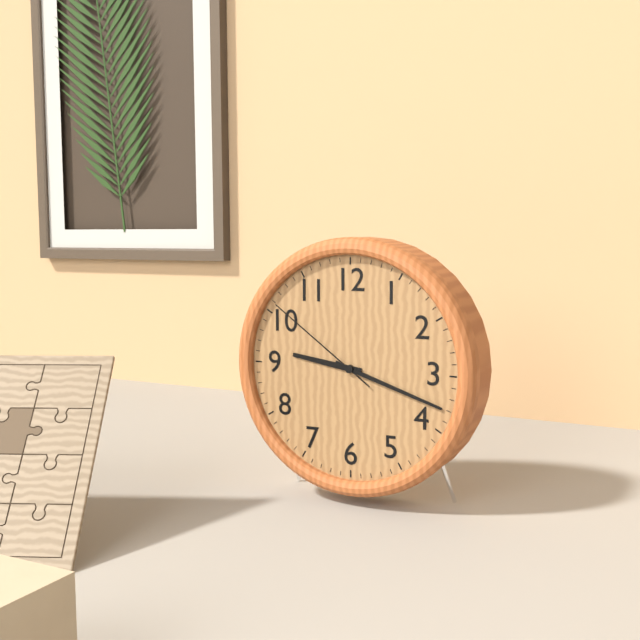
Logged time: **9:18:51**
